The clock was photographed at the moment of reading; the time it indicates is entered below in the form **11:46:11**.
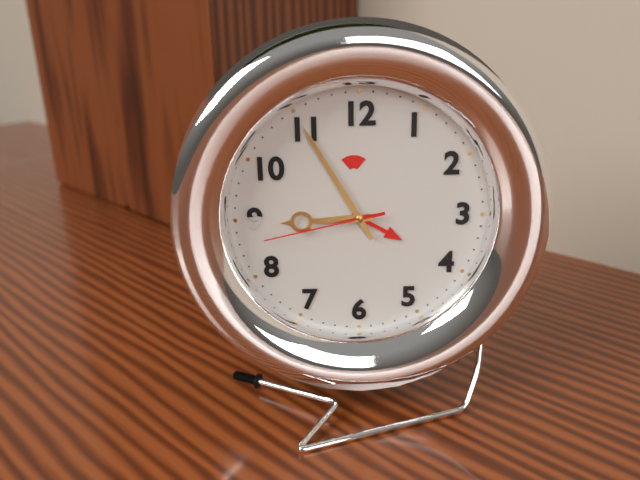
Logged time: **8:55:43**
